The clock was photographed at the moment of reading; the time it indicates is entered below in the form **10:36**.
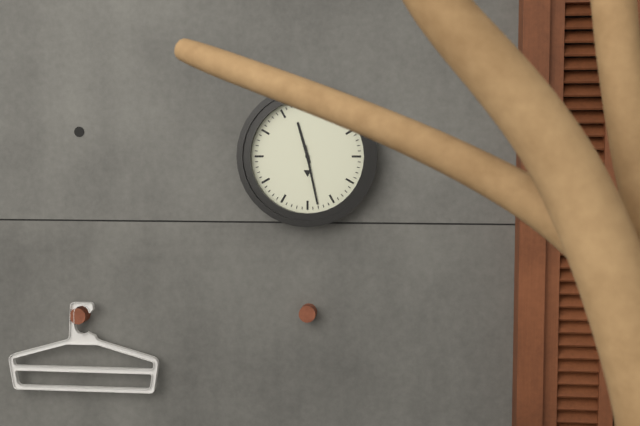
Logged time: **11:28**
